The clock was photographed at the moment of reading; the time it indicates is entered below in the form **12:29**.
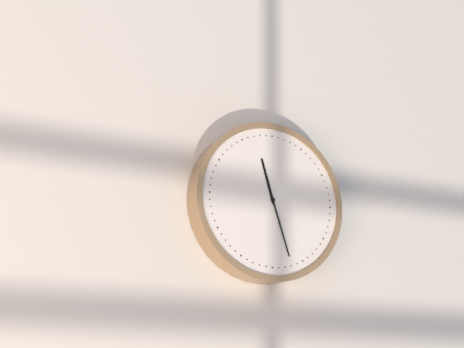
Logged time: **11:27**
